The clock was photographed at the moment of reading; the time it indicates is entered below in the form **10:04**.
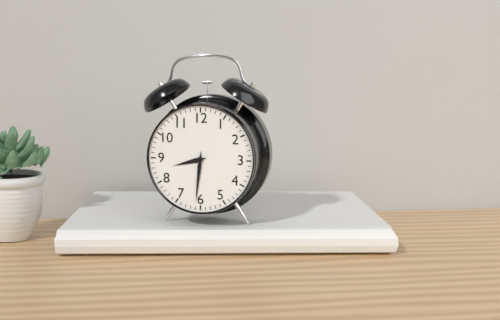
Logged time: **8:31**
